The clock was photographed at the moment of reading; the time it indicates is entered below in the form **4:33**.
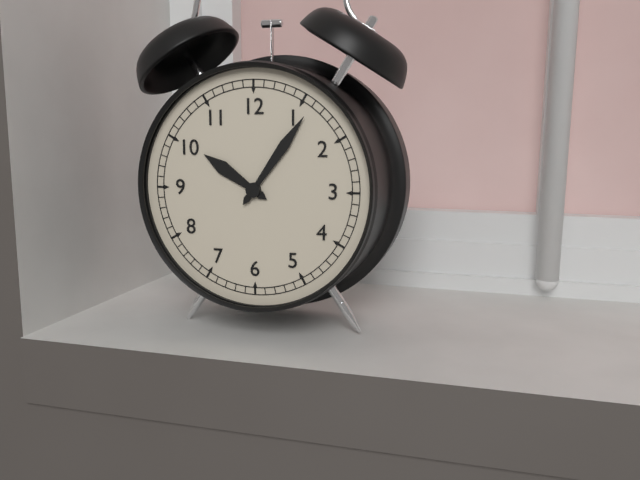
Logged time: **10:06**
